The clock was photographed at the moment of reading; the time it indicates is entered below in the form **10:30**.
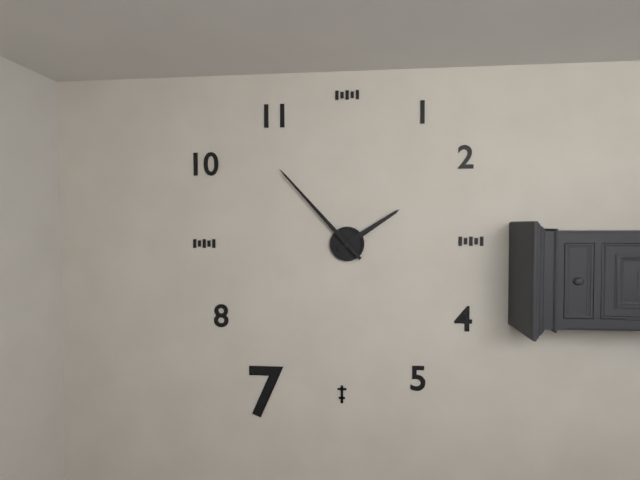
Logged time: **1:53**
